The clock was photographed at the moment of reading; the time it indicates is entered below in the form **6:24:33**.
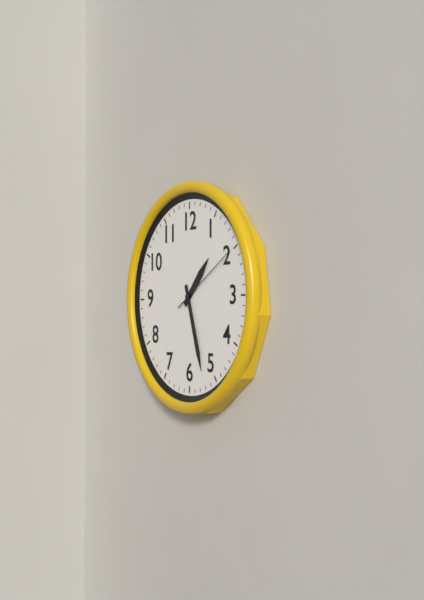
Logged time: **1:27:10**
